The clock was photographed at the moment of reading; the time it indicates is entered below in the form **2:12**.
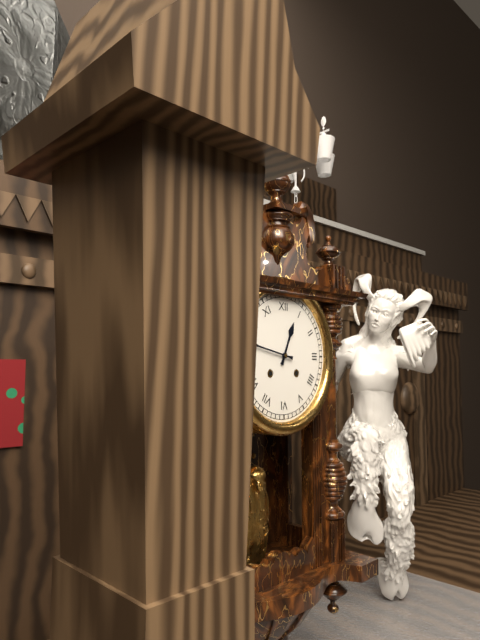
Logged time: **12:47**
